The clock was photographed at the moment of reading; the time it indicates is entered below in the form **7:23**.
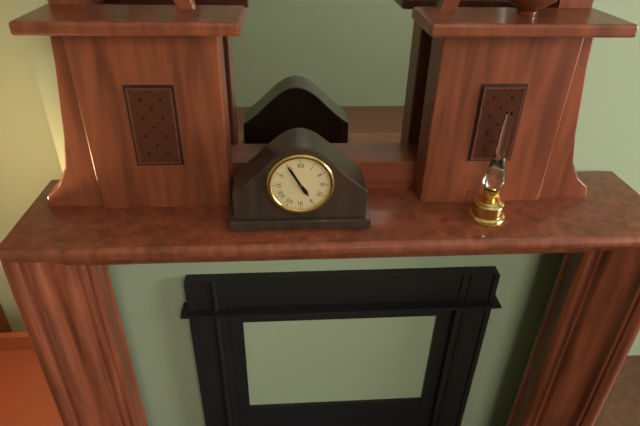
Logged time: **4:55**
